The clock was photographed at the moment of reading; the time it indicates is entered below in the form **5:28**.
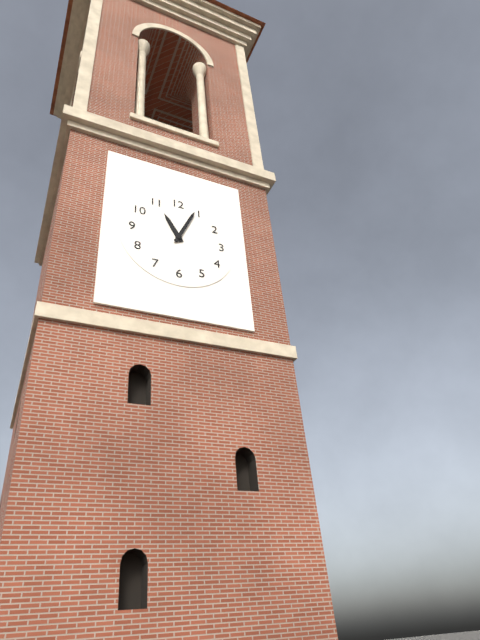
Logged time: **11:04**
